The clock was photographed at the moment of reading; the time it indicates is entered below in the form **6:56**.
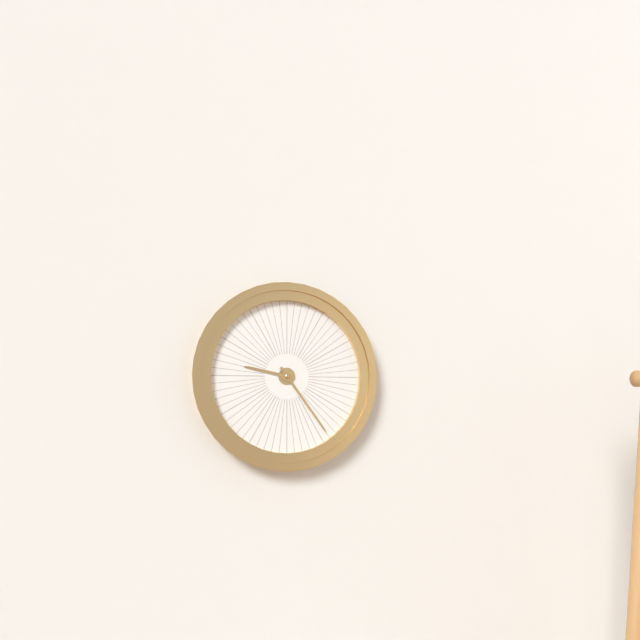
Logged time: **9:24**
